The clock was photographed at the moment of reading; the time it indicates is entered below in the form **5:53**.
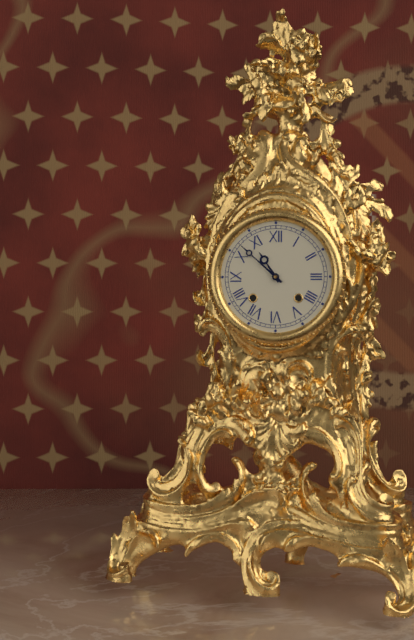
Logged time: **10:52**
